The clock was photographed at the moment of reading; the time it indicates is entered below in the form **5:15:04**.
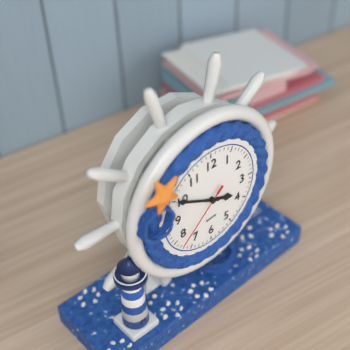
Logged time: **3:50:38**
